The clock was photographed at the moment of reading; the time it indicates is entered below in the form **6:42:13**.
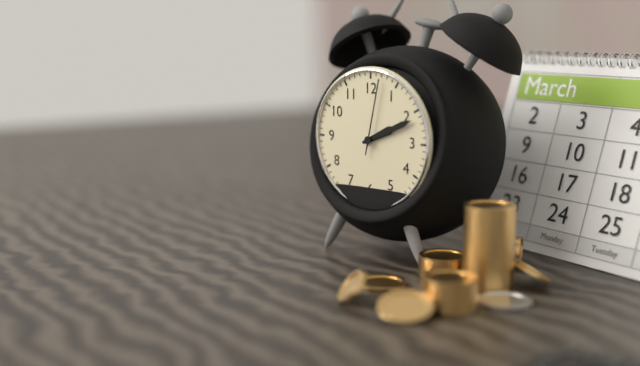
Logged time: **2:11:02**
